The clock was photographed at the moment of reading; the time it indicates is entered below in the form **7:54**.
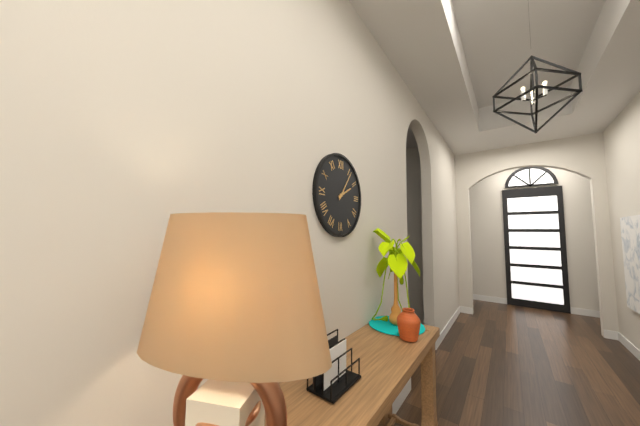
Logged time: **2:06**
